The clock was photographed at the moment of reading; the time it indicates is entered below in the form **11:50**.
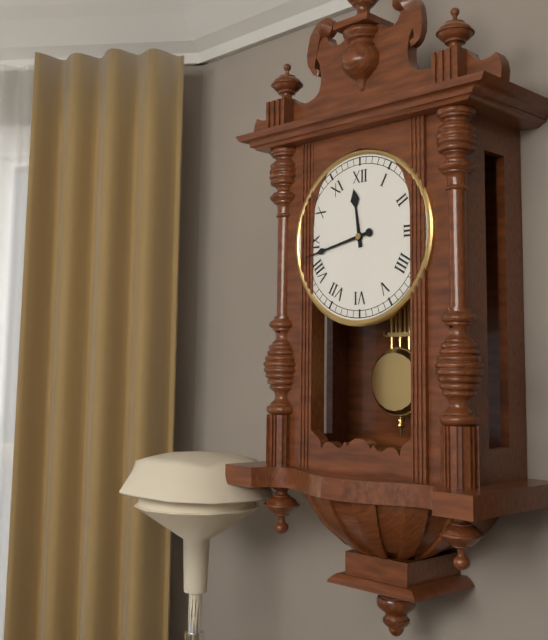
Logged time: **11:43**
